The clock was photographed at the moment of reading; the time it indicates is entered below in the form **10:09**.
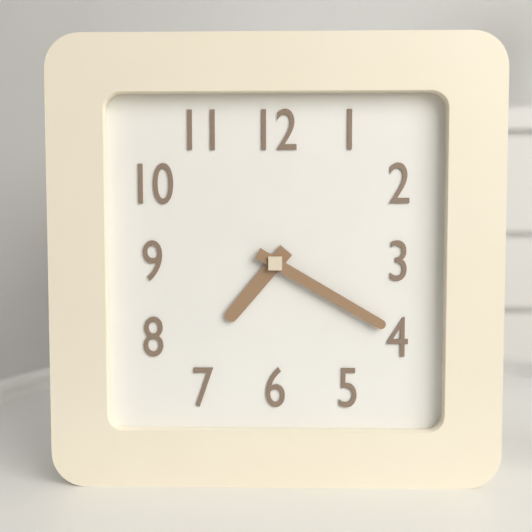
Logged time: **7:20**
